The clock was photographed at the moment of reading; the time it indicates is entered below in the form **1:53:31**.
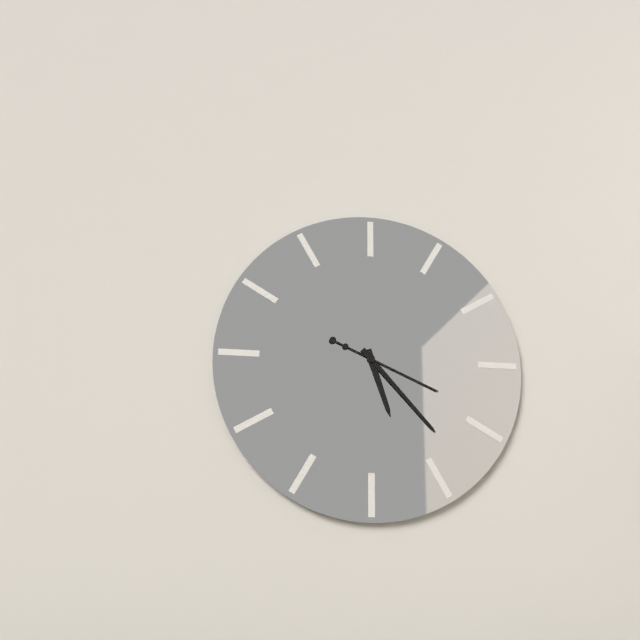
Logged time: **5:23:19**
